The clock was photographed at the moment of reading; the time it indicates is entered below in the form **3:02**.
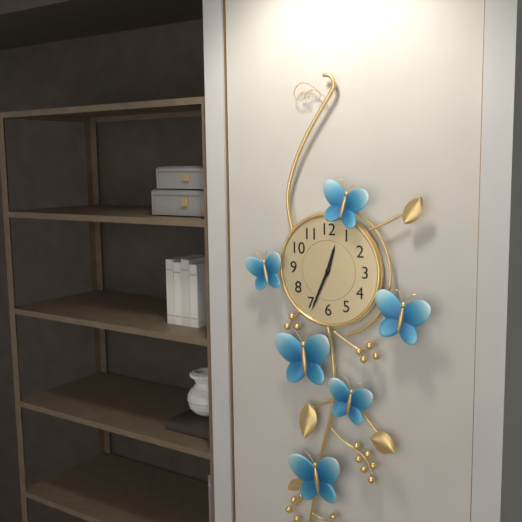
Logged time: **12:34**
